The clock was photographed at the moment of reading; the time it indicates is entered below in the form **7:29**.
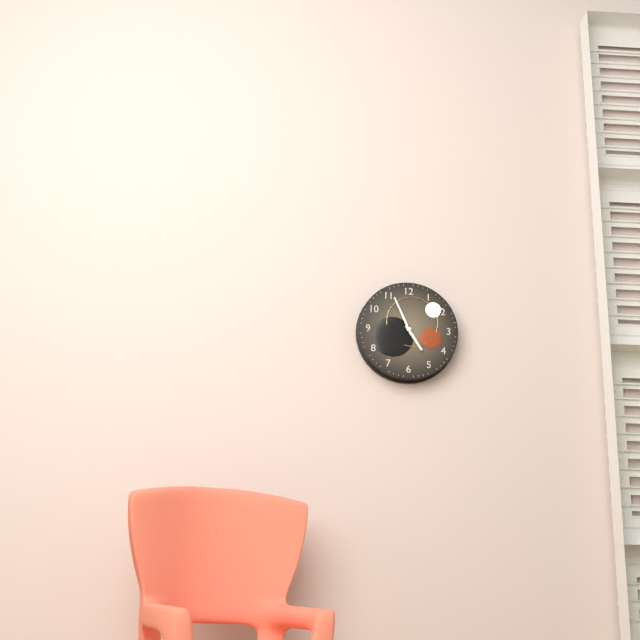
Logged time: **4:56**
